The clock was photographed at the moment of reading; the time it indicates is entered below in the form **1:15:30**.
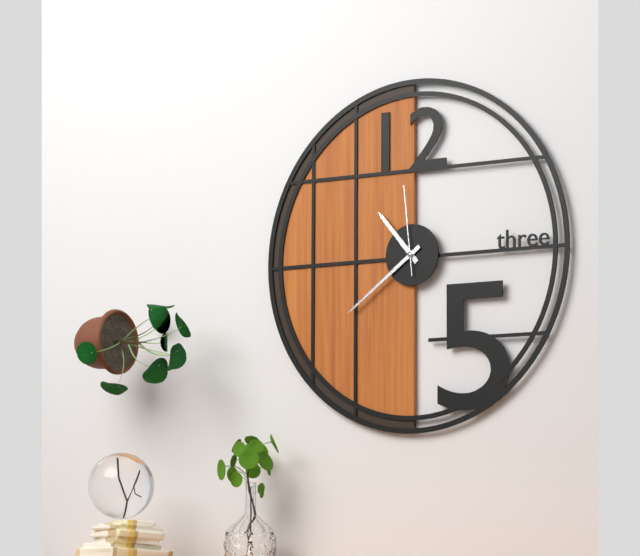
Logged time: **10:39:59**
